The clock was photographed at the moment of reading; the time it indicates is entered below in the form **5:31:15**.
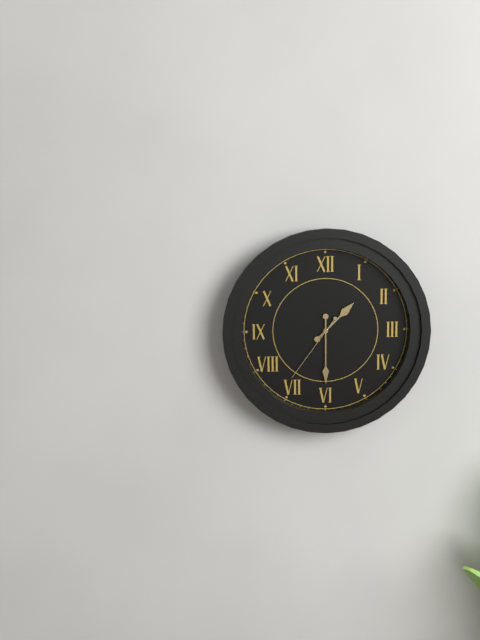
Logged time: **1:30:36**
